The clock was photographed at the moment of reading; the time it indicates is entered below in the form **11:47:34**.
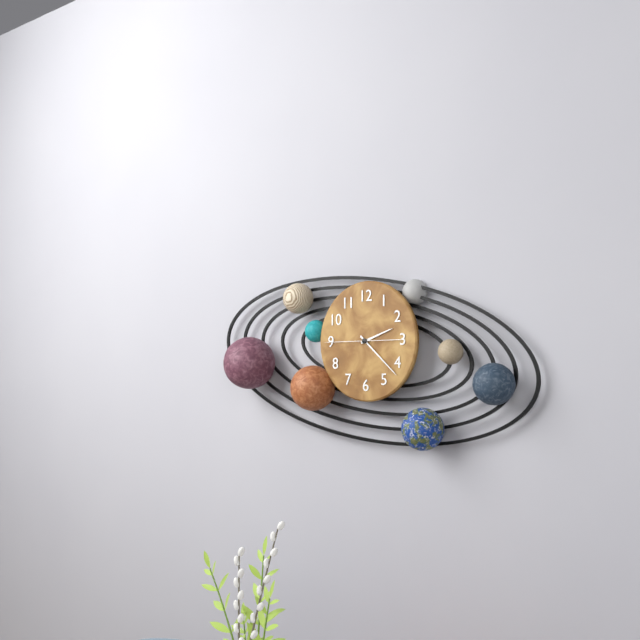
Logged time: **2:22:45**
